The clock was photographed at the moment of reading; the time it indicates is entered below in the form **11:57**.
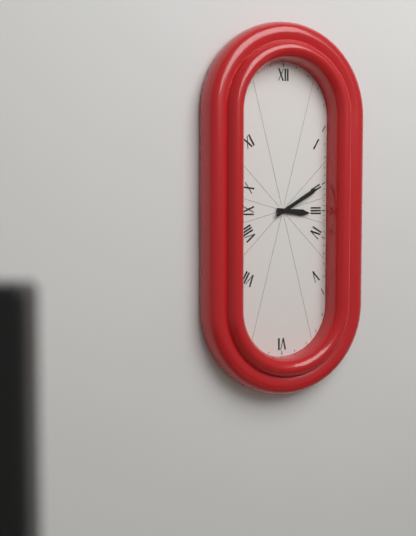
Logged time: **3:10**
